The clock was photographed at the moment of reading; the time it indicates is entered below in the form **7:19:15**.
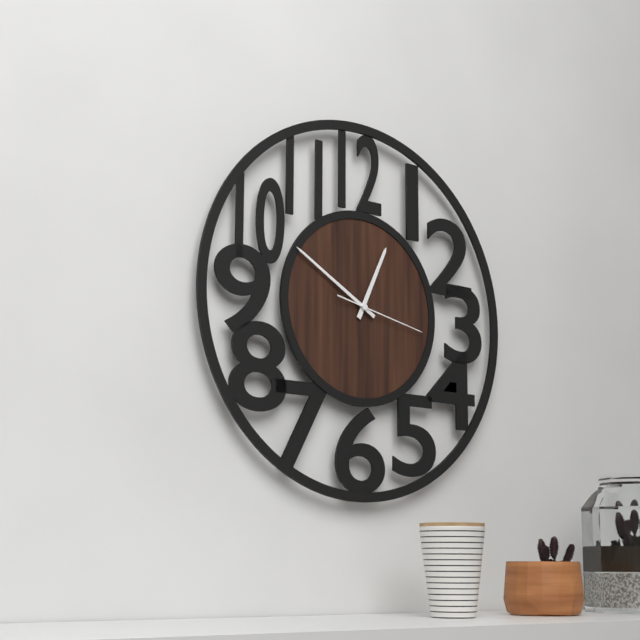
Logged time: **12:50:17**
